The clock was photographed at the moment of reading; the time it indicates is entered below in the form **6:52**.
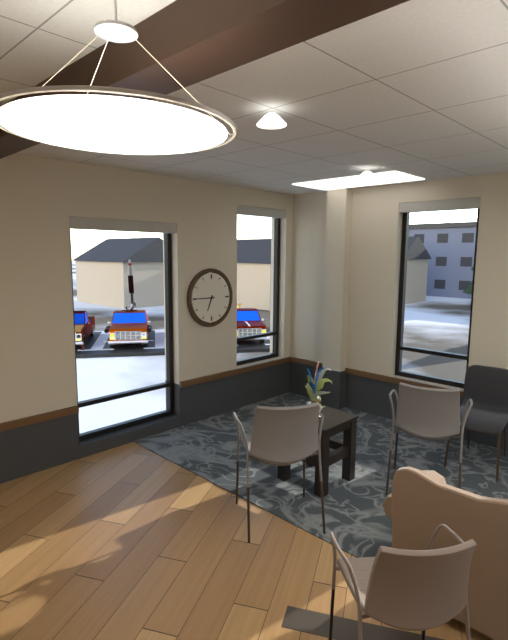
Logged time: **6:45**
